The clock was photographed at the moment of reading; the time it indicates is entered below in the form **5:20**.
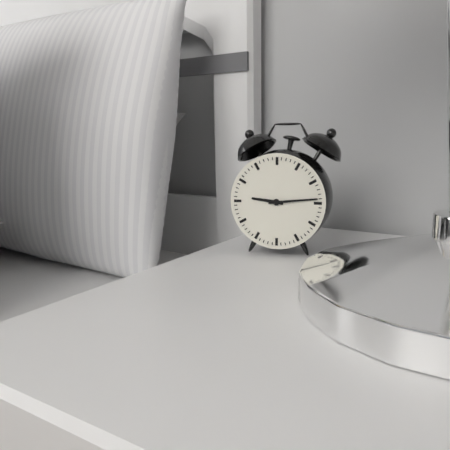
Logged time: **9:14**
